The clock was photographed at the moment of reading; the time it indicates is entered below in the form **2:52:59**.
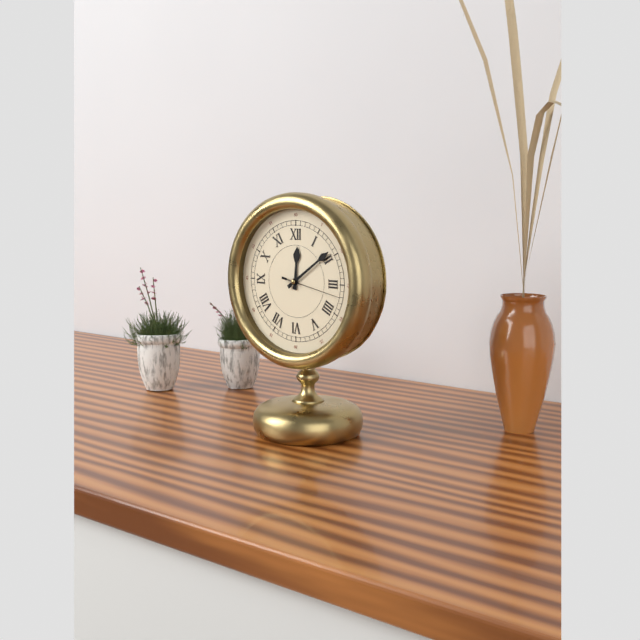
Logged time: **12:09:17**
